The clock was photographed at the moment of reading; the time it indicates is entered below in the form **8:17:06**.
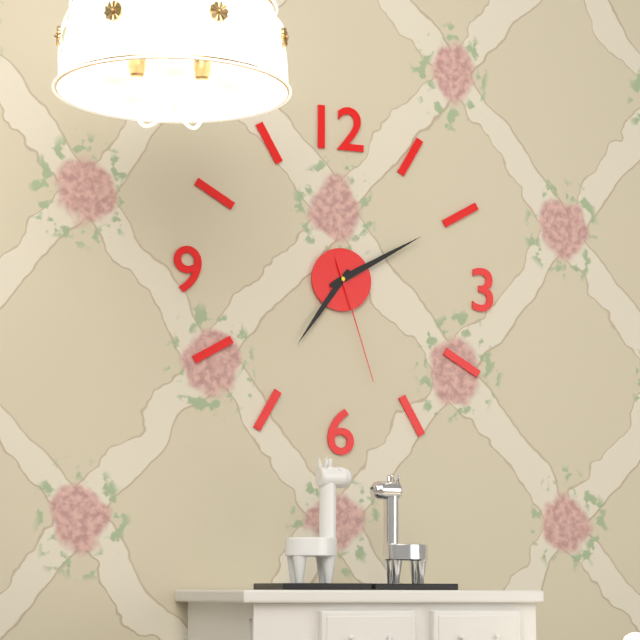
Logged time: **7:10:27**
